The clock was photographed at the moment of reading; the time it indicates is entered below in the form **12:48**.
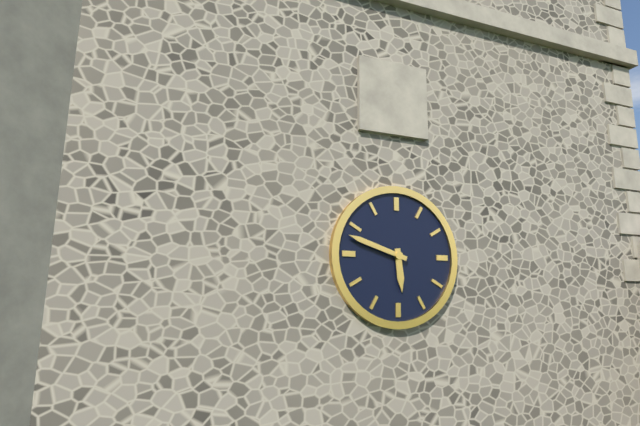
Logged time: **5:48**
